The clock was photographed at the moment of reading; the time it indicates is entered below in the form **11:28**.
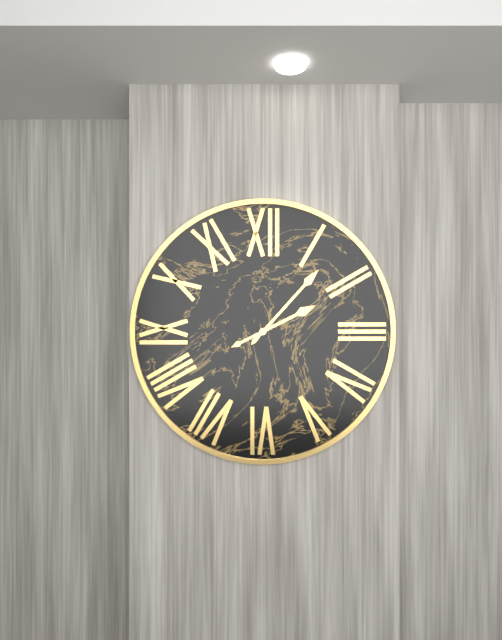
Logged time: **2:07**
